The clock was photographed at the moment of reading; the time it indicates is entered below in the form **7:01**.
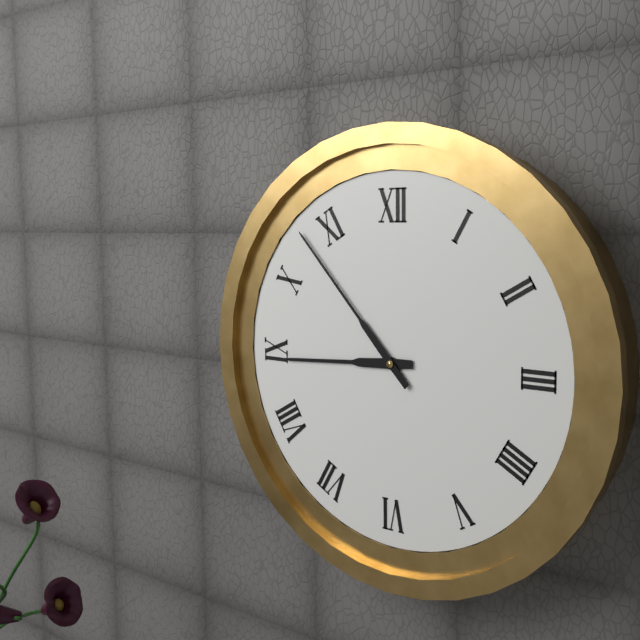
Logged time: **8:53**
